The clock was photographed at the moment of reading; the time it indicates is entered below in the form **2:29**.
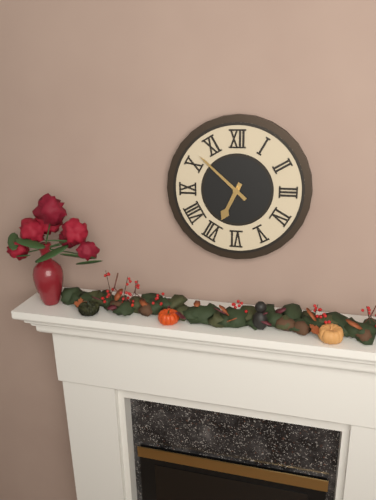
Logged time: **6:52**
